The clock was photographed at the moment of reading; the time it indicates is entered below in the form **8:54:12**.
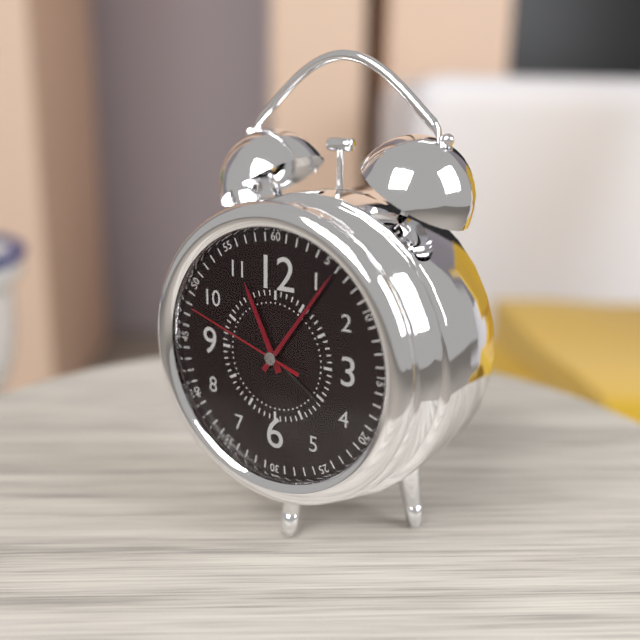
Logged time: **11:06:48**
